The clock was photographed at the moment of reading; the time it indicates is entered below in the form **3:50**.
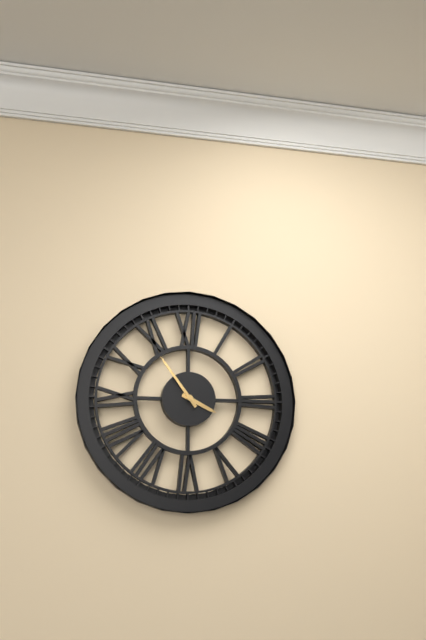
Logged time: **3:54**
